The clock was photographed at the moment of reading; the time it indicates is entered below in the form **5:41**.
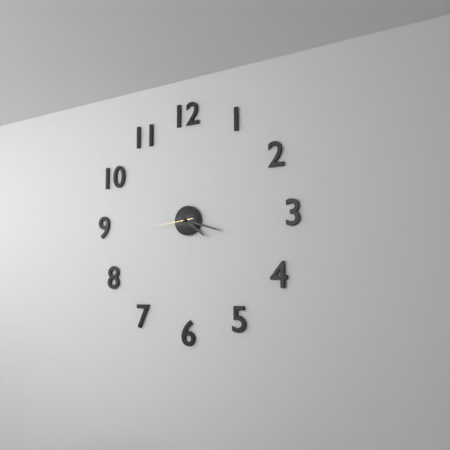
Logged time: **4:18**
